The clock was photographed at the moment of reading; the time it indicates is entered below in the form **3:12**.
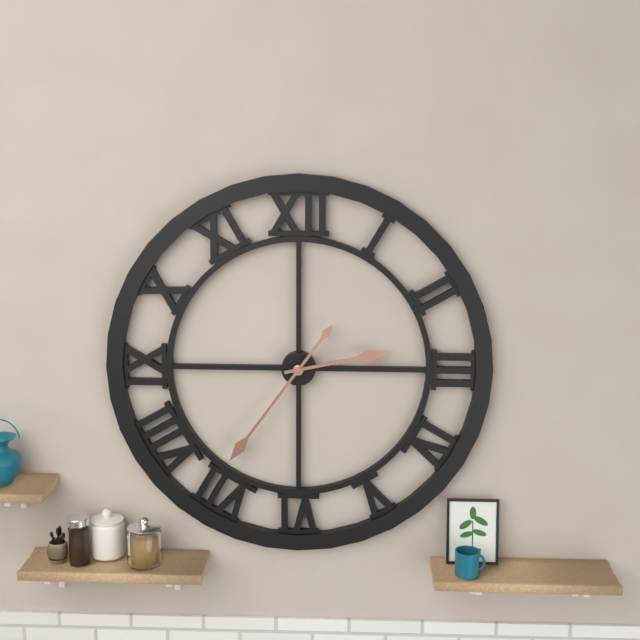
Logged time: **2:36**
